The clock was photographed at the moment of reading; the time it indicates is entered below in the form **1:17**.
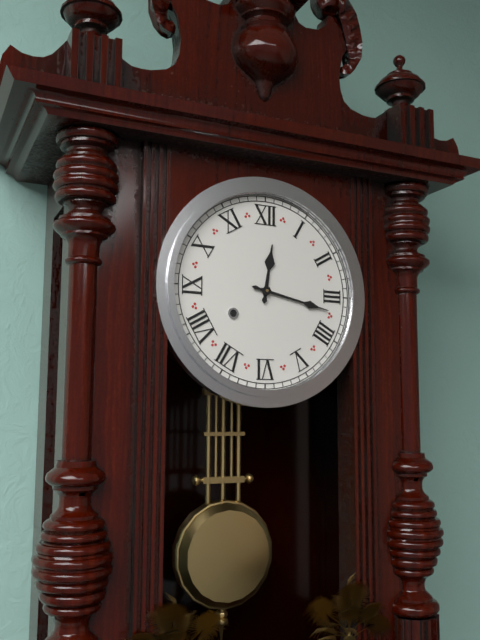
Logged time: **12:17**
